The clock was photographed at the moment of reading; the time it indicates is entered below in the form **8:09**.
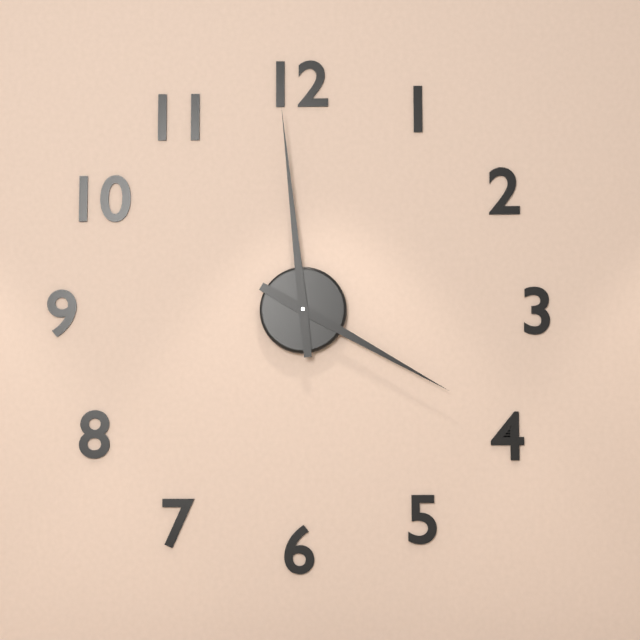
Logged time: **3:59**
